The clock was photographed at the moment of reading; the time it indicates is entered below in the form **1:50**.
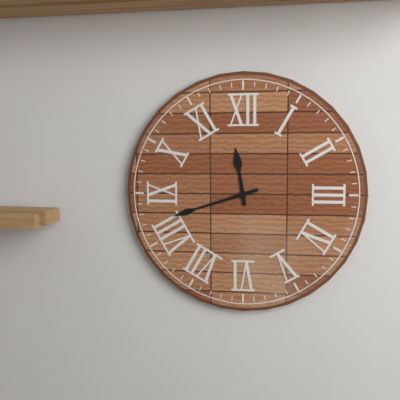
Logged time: **11:42**
